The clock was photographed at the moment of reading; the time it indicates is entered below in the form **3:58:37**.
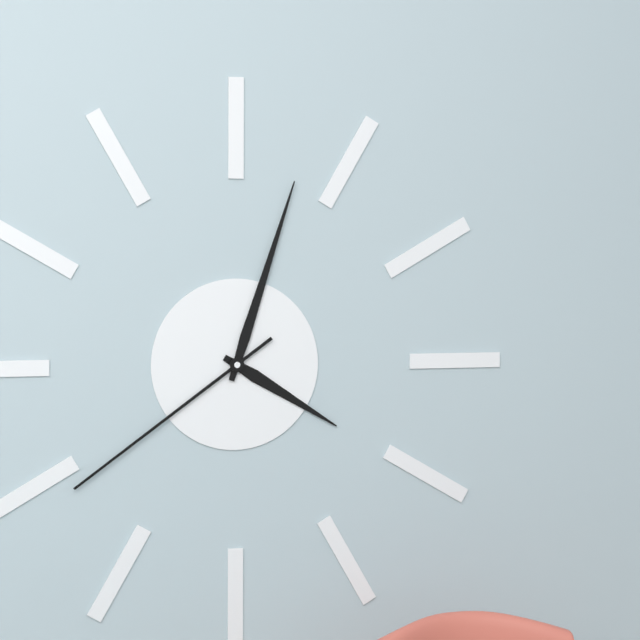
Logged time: **4:03:39**
